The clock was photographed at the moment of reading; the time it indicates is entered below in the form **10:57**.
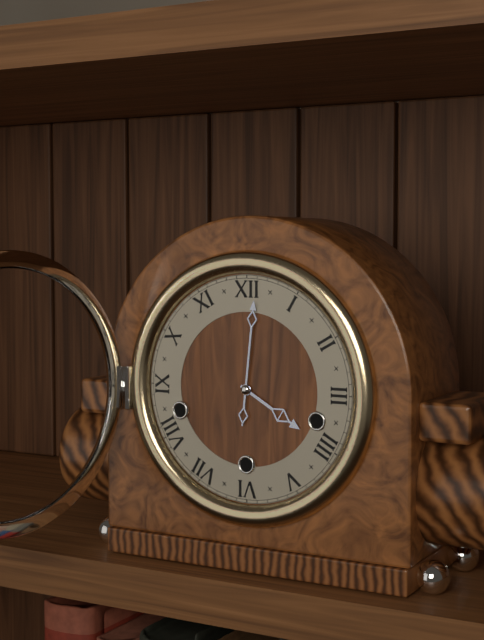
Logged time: **4:01**
